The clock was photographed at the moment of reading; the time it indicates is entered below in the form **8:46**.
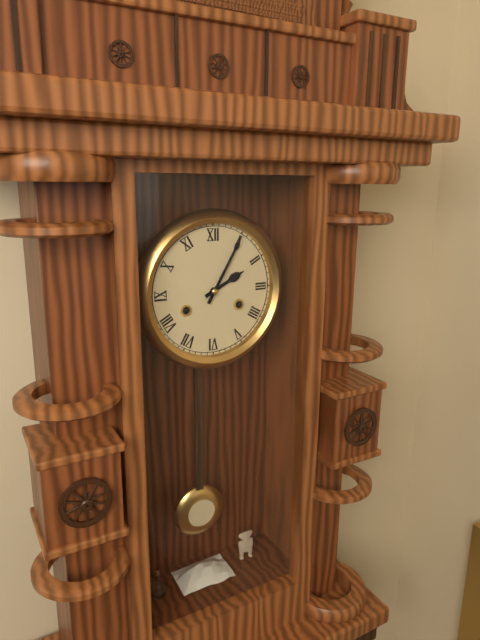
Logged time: **2:05**
